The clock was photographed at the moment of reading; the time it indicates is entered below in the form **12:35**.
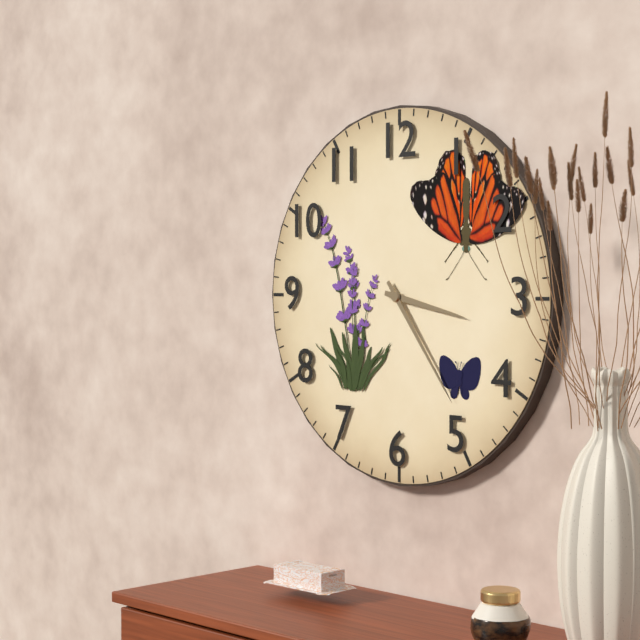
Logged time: **3:24**
